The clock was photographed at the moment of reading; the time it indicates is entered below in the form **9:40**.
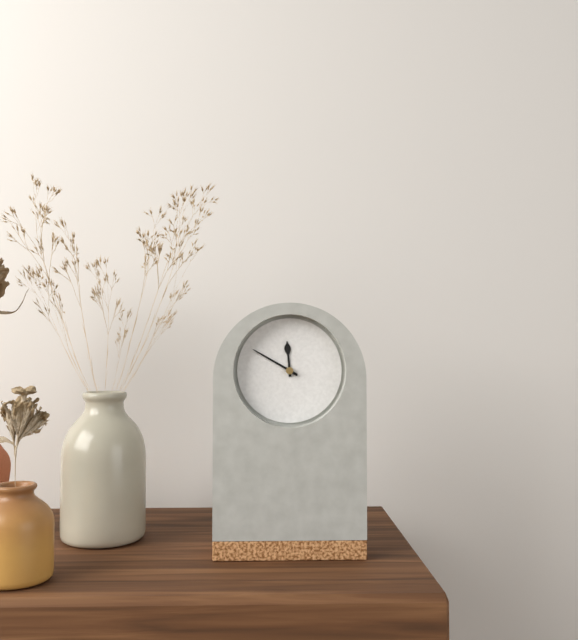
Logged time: **11:50**
